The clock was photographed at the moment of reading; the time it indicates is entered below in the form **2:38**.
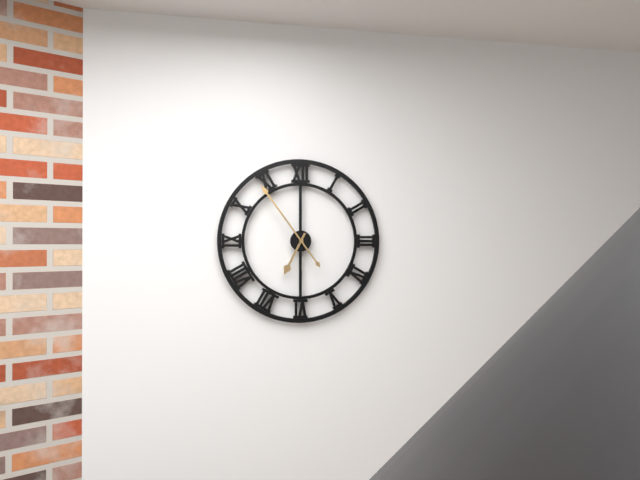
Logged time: **6:54**
